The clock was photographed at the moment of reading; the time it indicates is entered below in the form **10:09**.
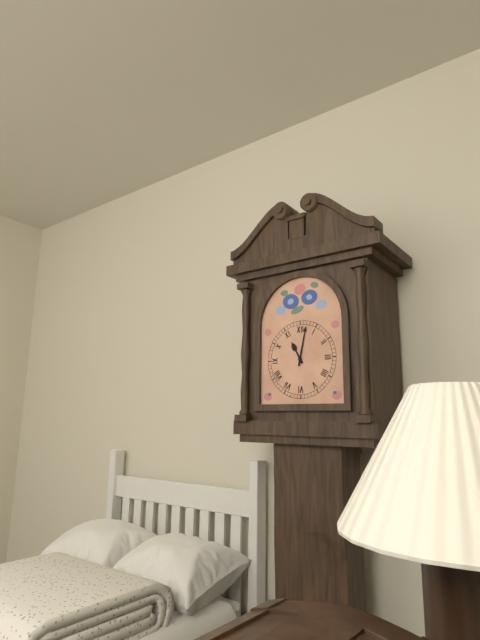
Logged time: **11:02**
